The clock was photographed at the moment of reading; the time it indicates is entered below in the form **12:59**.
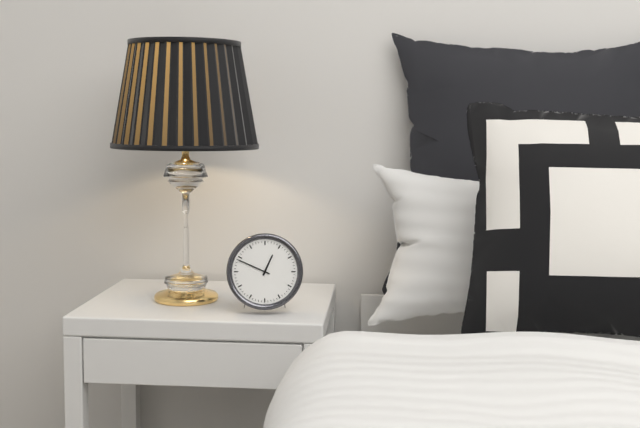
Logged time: **12:49**
